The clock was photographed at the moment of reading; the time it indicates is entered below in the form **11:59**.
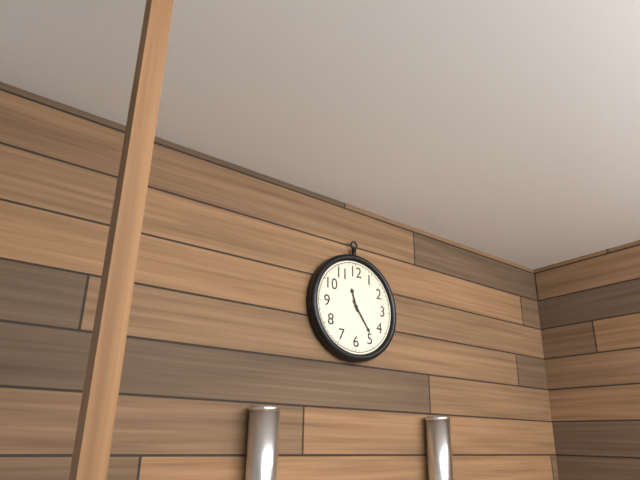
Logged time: **11:24**
